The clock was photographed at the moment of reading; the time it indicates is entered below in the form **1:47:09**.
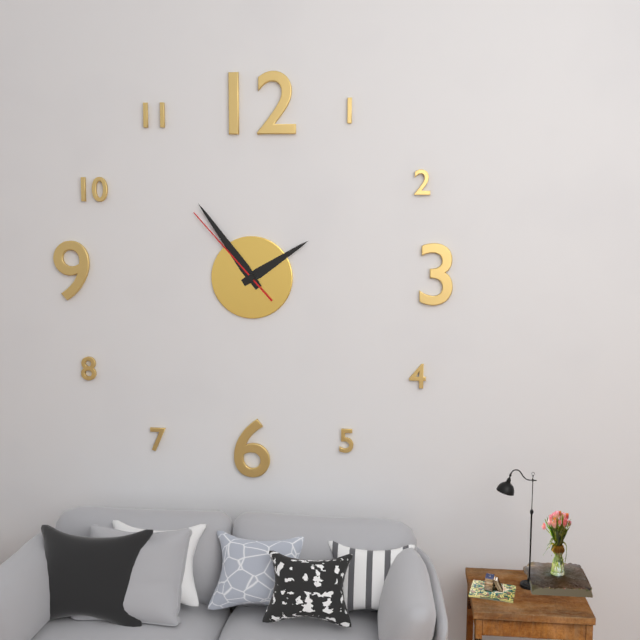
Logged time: **1:54:53**
